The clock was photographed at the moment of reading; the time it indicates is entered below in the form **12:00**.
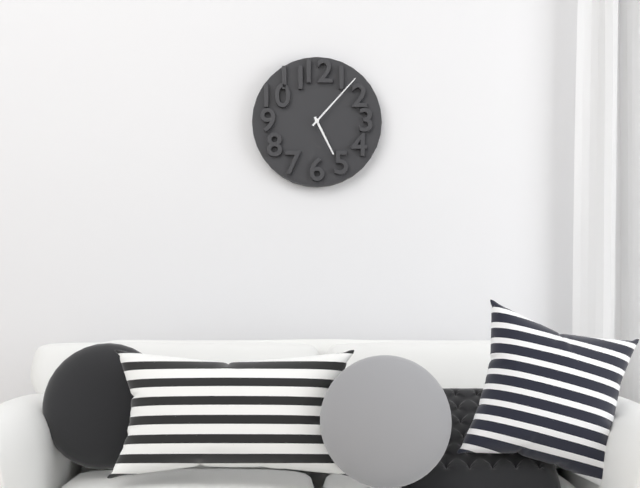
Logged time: **5:07**
